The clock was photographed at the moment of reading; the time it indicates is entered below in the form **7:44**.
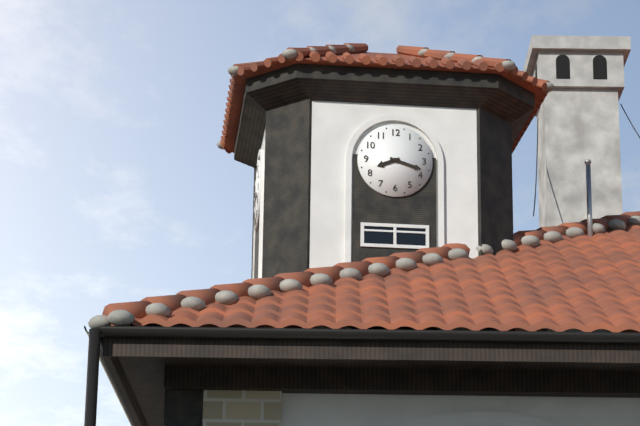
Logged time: **8:18**
